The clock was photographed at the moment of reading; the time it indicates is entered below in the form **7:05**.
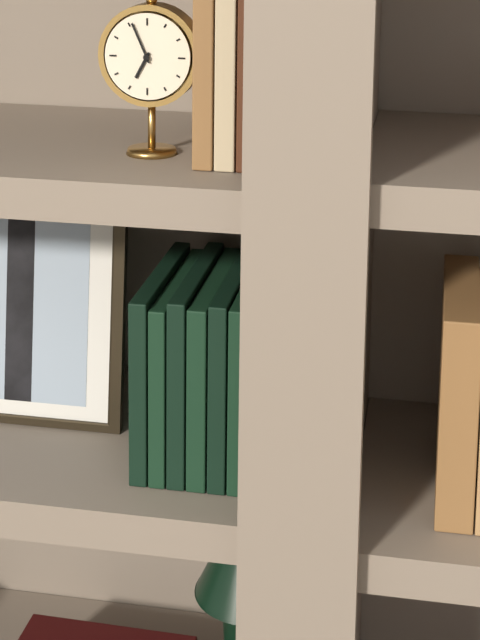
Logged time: **6:56**
